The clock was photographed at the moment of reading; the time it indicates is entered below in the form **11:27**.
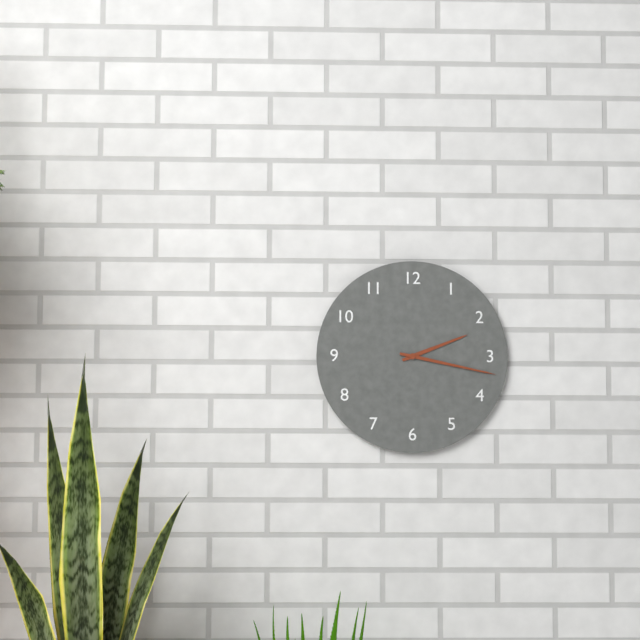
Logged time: **2:17**
